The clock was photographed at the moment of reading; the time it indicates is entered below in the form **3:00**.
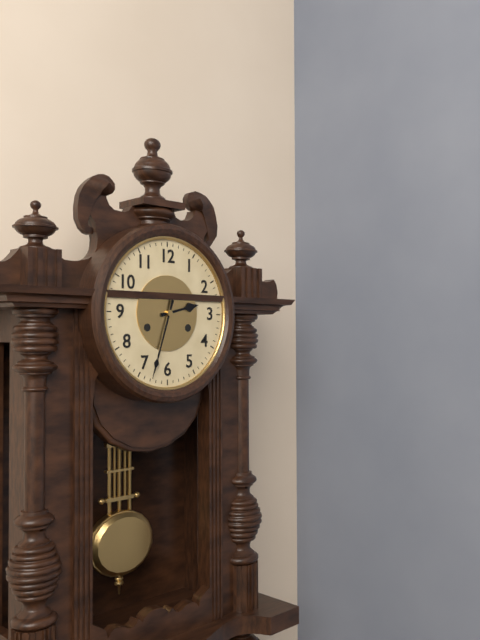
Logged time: **2:33**
